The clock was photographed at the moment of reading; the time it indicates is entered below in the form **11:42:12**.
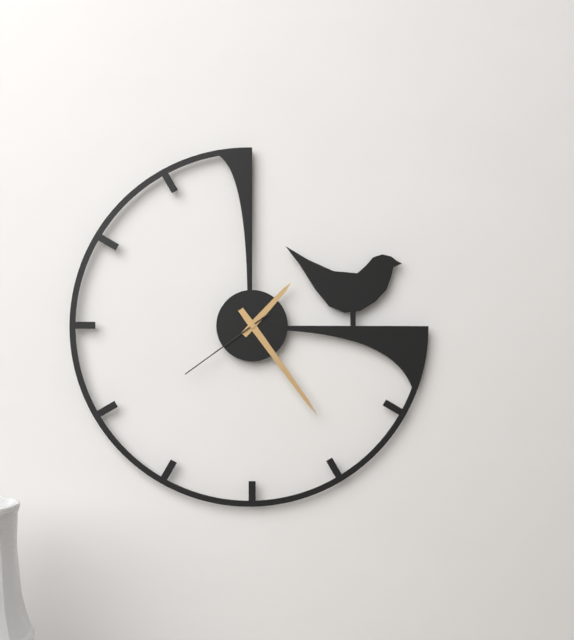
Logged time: **1:24:39**
